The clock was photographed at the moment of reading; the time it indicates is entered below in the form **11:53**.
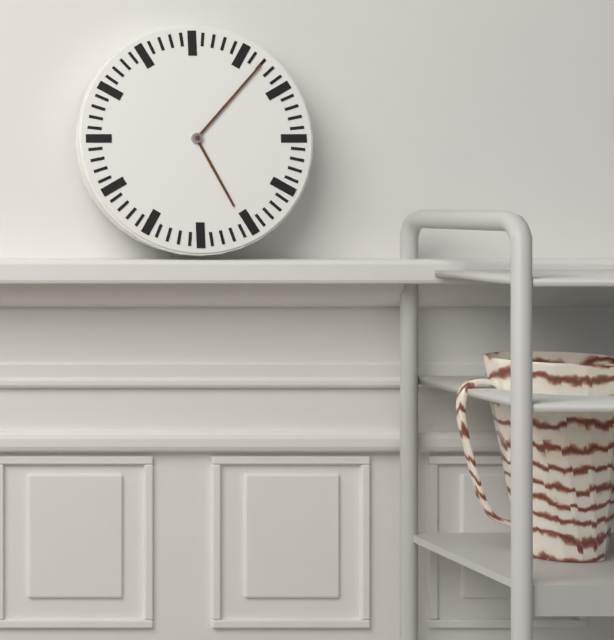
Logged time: **5:07**
